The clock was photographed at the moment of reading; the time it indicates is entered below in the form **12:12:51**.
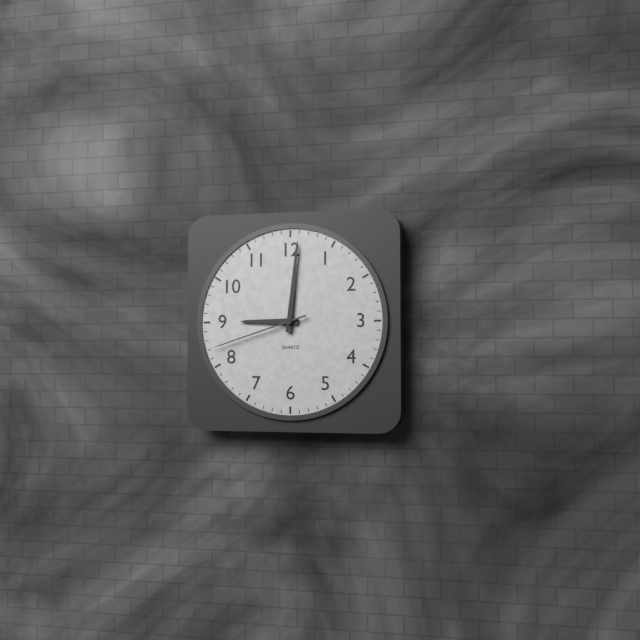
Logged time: **9:01:42**
